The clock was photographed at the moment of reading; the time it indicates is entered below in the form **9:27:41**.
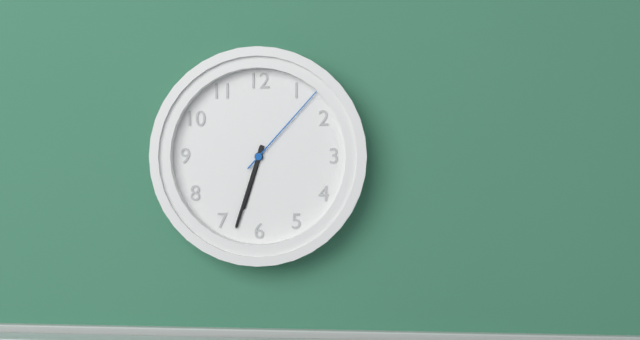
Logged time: **6:33:07**
